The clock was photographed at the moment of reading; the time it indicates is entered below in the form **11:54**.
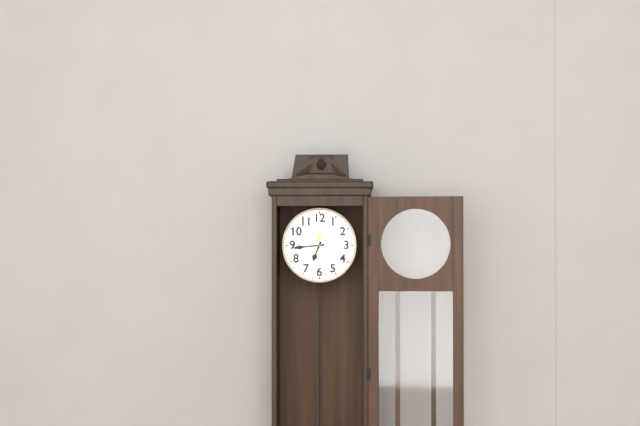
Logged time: **6:44**
